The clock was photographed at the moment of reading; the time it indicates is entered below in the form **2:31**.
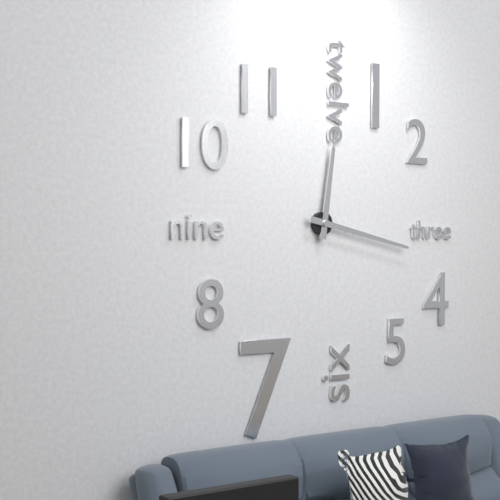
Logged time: **12:17**
